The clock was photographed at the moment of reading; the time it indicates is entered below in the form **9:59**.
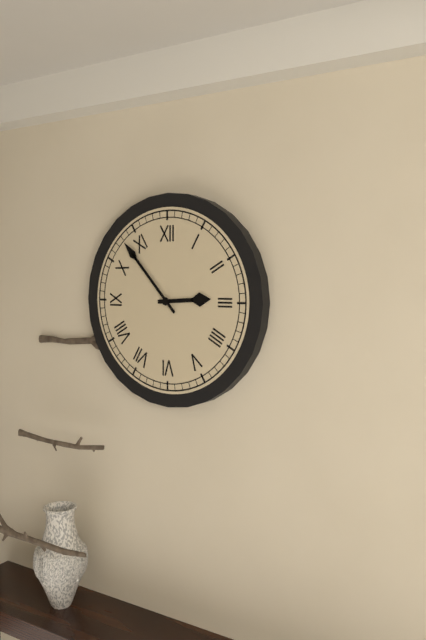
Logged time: **2:53**
